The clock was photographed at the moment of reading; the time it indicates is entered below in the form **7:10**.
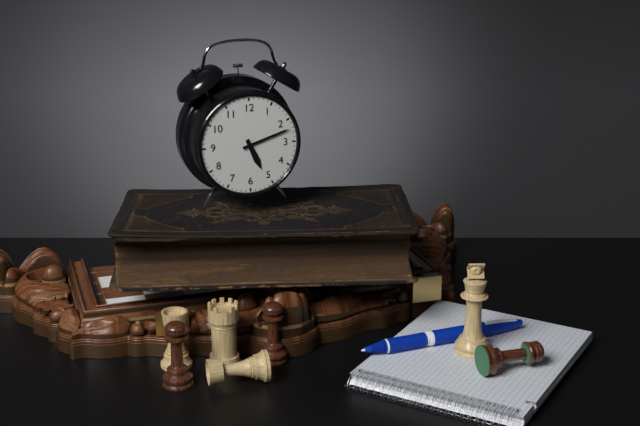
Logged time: **5:12**
